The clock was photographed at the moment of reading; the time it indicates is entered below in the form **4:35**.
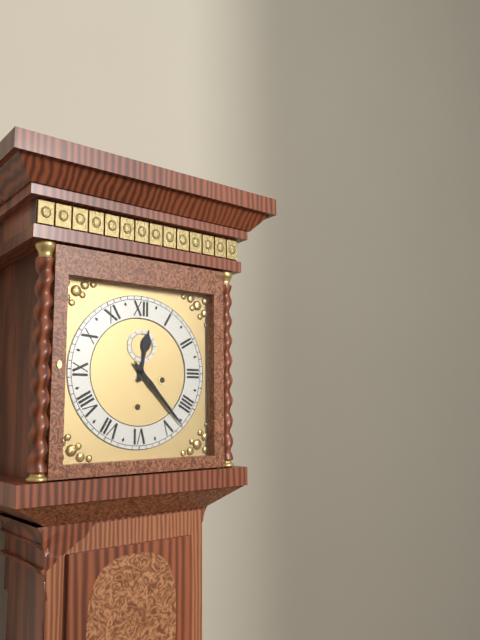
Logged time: **12:23**
